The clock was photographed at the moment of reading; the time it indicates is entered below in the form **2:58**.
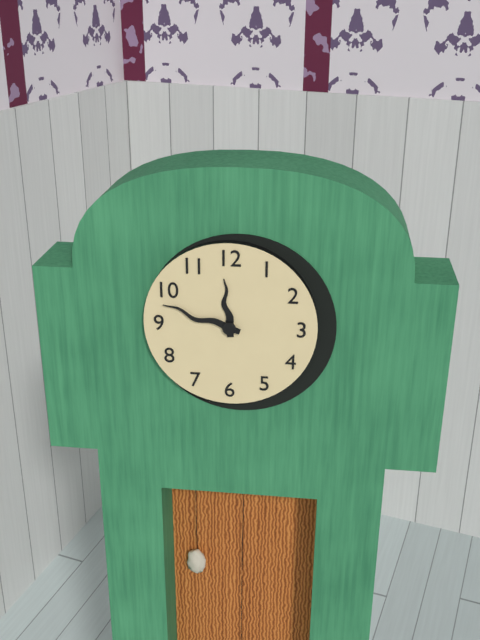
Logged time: **11:48**
